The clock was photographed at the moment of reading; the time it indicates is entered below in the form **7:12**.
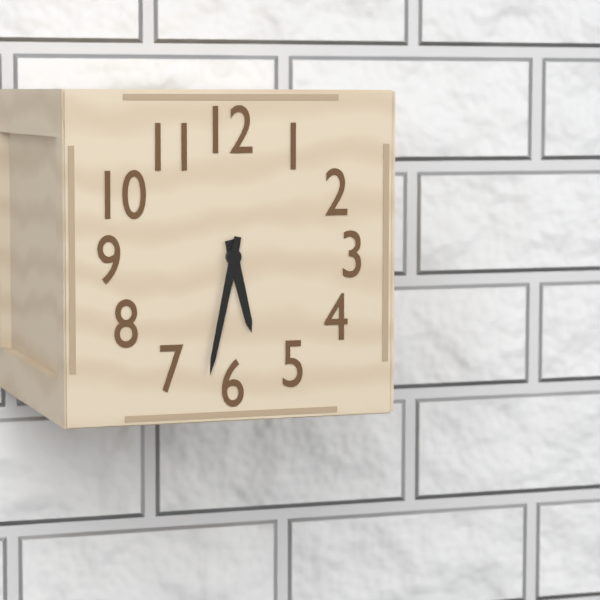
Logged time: **5:32**
